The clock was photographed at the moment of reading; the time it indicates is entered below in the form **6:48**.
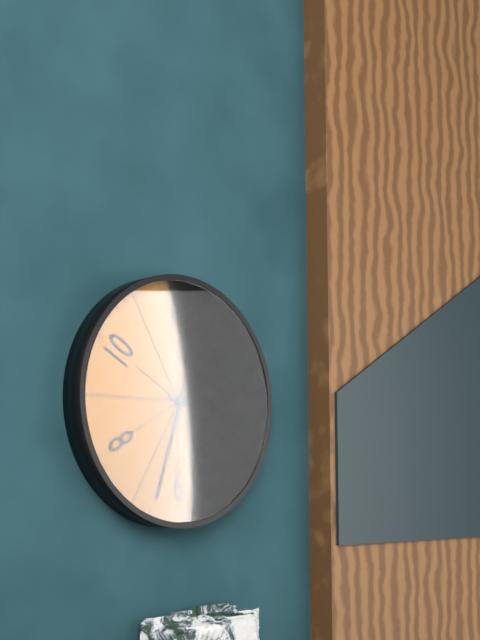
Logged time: **3:33**
